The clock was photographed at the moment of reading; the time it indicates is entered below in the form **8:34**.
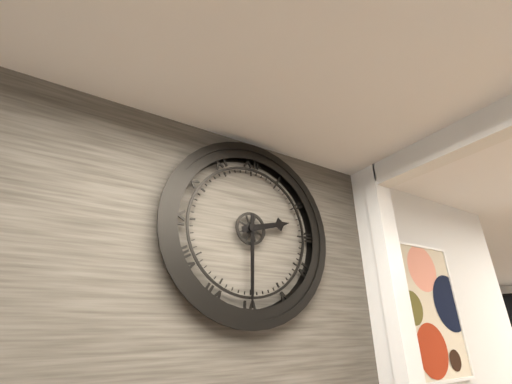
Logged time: **2:30**
